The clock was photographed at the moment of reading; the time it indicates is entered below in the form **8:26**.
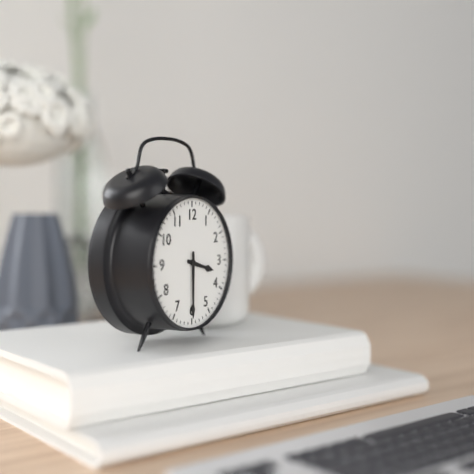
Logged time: **3:30**
